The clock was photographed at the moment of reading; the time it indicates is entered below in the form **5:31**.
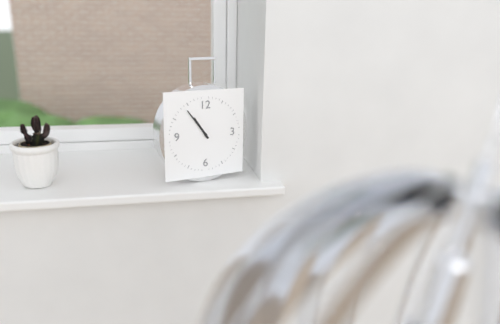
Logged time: **10:54**
